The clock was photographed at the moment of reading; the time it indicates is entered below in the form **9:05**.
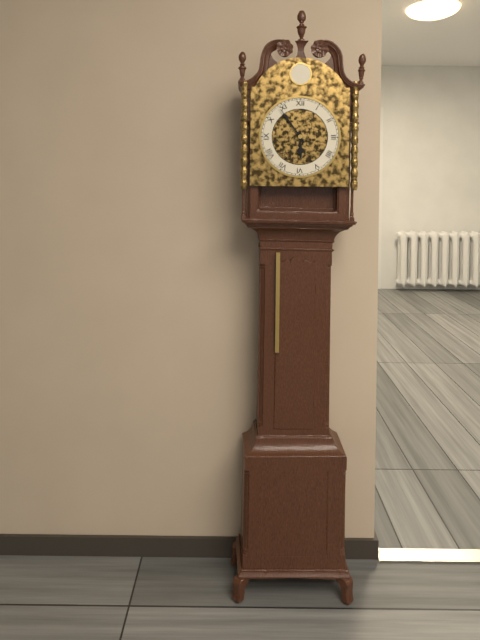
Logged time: **5:54**
